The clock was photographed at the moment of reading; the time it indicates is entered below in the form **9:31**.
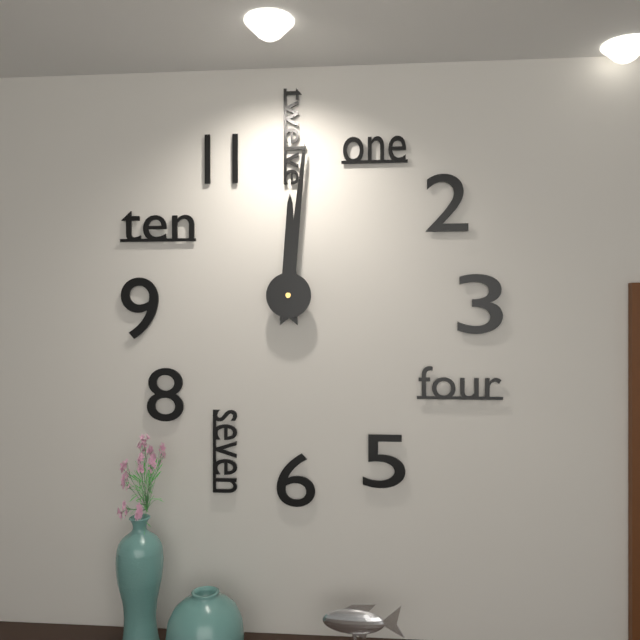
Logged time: **12:01**
